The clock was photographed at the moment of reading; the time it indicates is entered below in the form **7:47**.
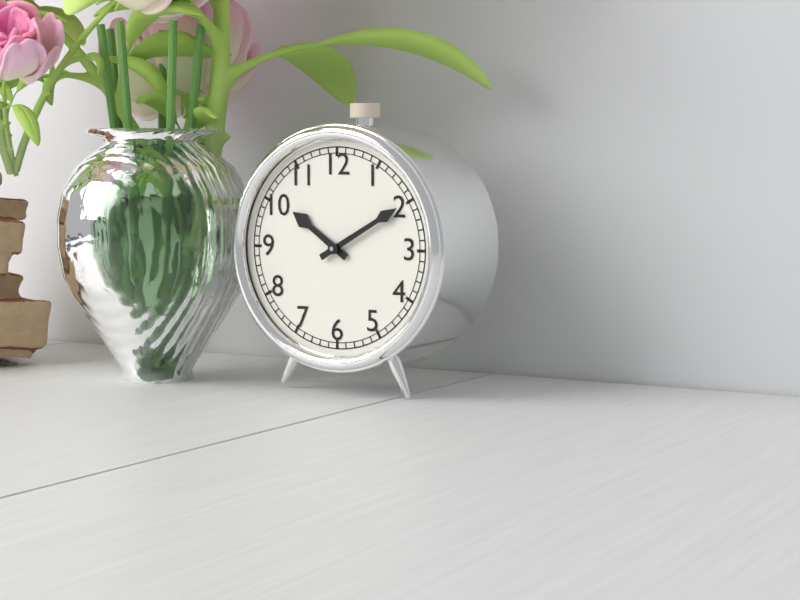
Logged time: **10:10**
